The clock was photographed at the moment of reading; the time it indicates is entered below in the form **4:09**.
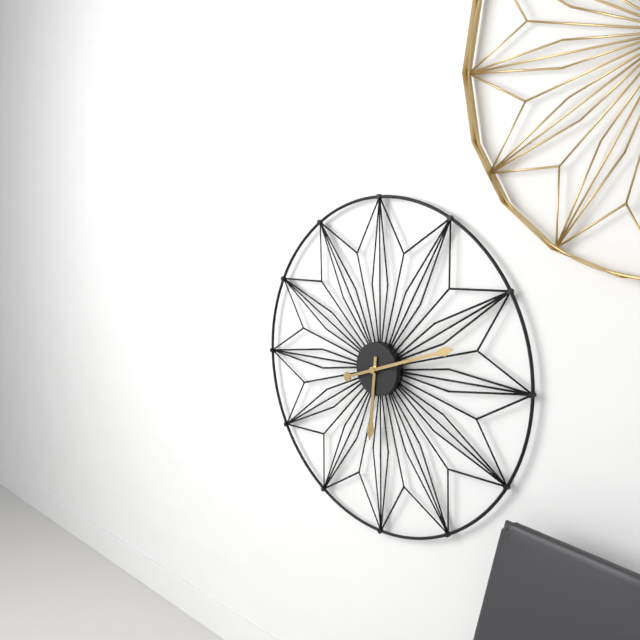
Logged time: **6:12**
